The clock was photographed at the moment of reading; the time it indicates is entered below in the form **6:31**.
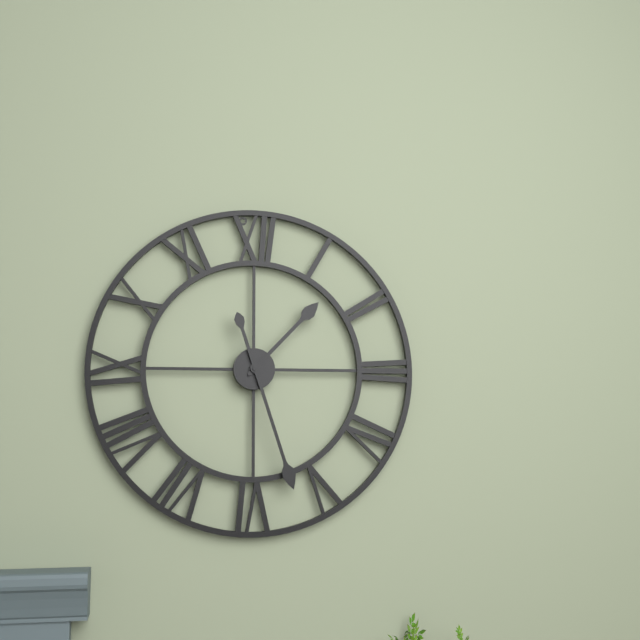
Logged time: **1:27**
